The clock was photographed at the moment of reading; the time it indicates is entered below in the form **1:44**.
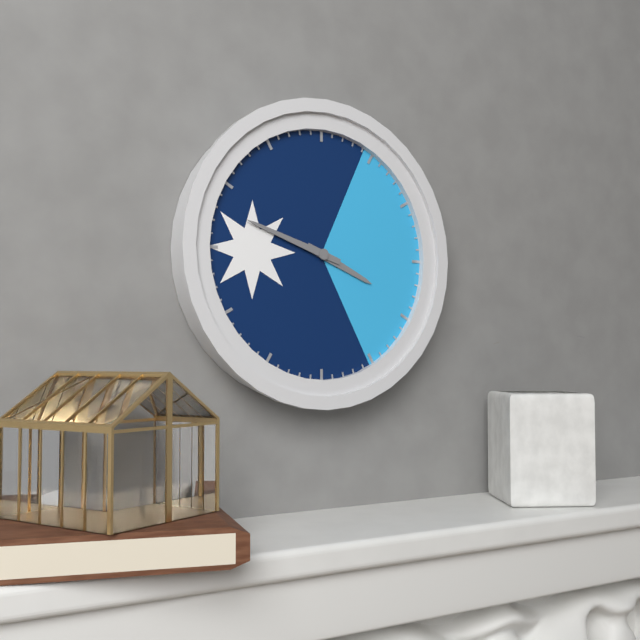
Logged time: **3:48**
